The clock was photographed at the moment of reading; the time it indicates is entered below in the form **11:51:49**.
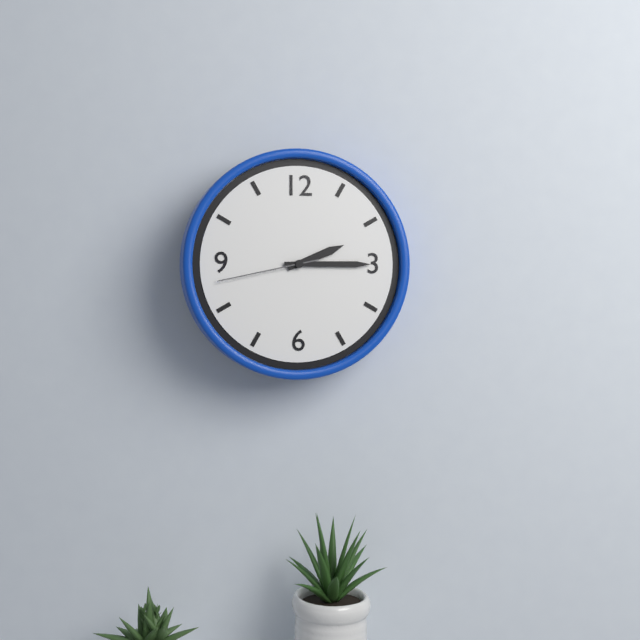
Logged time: **2:15:43**
